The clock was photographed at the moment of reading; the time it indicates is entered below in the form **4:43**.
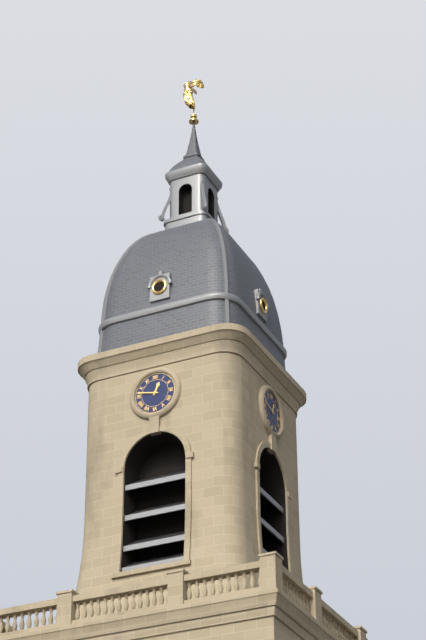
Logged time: **12:47**
